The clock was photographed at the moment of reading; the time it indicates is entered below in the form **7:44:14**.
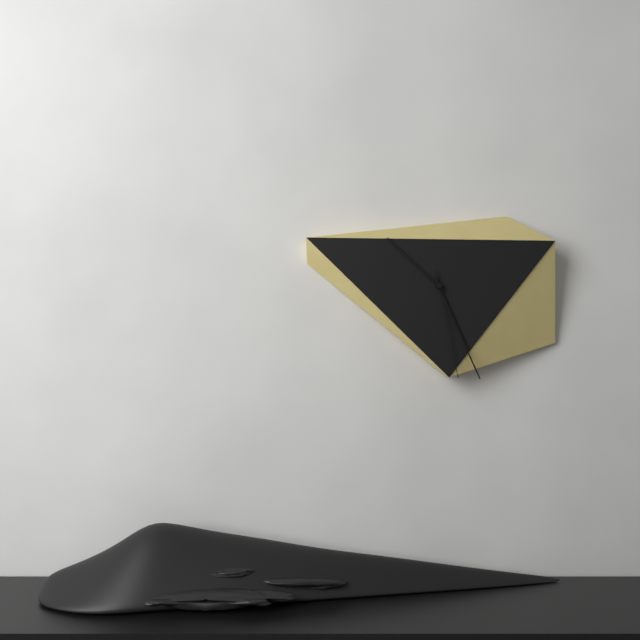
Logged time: **10:26:28**
